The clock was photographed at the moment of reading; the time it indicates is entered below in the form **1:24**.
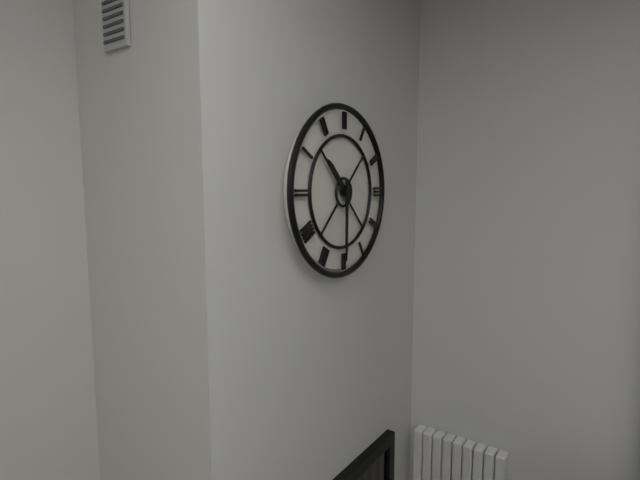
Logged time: **10:30**
